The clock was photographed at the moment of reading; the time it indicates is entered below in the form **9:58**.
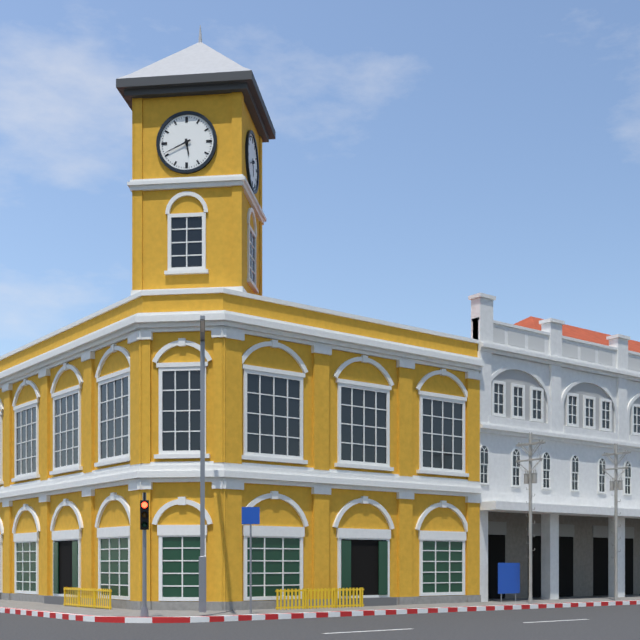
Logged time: **5:41**
